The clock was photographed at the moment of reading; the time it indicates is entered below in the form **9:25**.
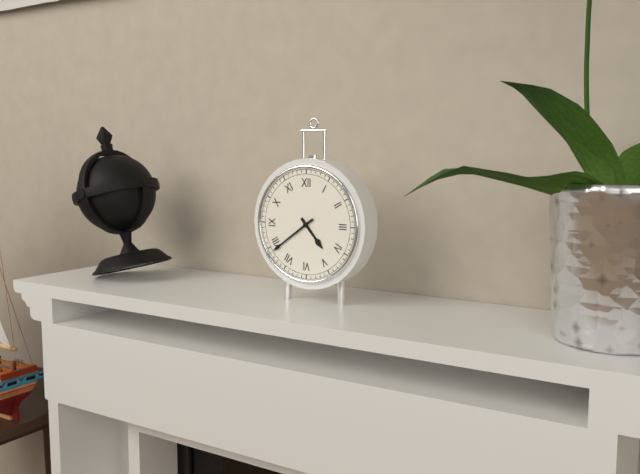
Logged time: **4:39**
